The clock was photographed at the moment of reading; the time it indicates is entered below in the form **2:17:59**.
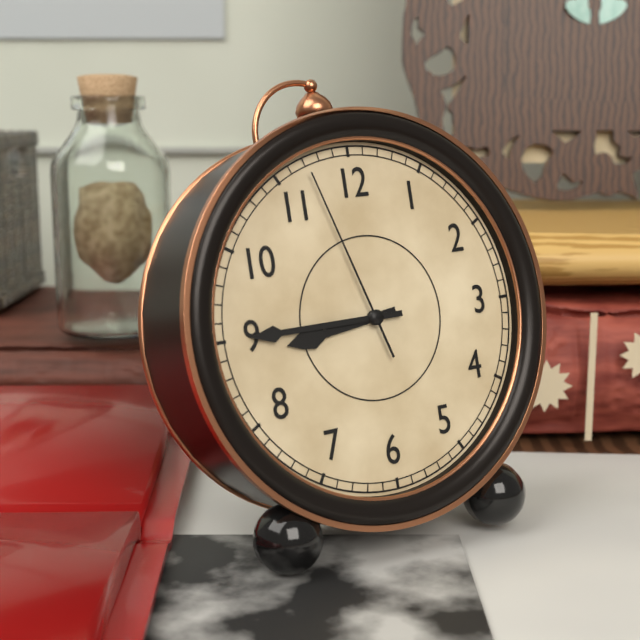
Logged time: **8:45:57**
